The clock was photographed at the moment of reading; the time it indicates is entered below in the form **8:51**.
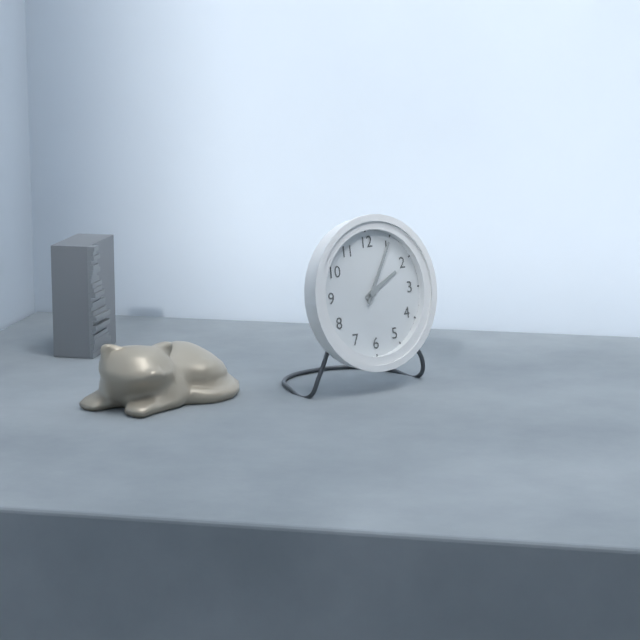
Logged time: **2:05**
